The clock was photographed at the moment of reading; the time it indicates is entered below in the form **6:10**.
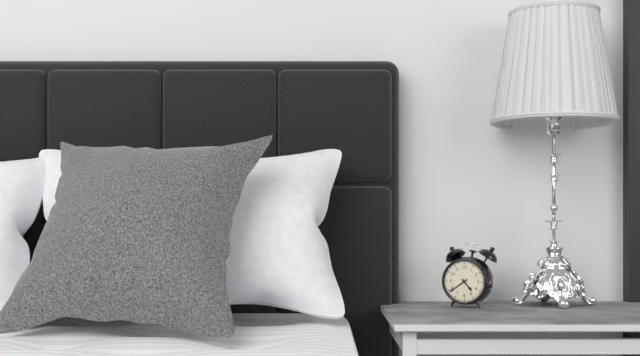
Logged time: **4:39**
